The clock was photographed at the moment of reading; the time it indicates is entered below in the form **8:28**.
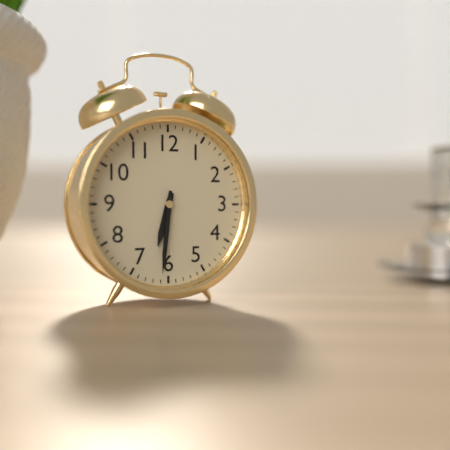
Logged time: **6:31**
